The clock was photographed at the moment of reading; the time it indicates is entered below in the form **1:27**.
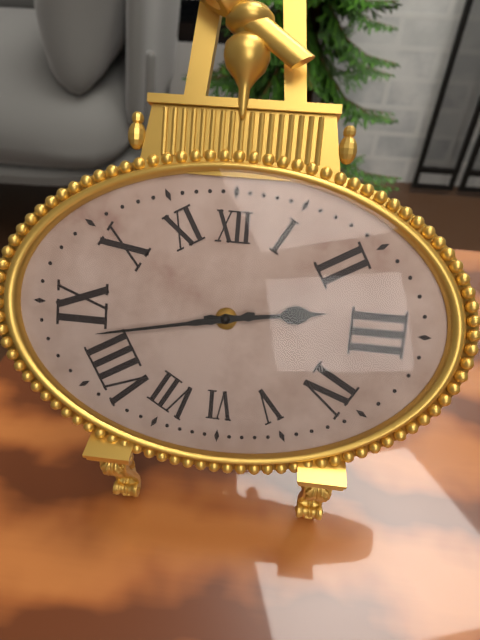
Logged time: **2:43**
